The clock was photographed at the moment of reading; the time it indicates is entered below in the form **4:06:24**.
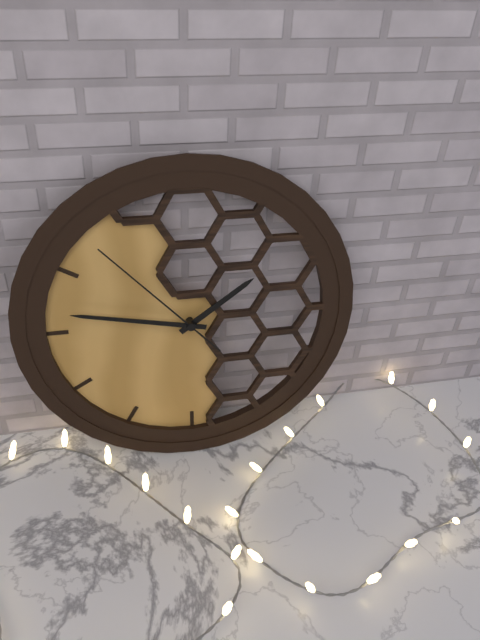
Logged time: **1:47:53**
